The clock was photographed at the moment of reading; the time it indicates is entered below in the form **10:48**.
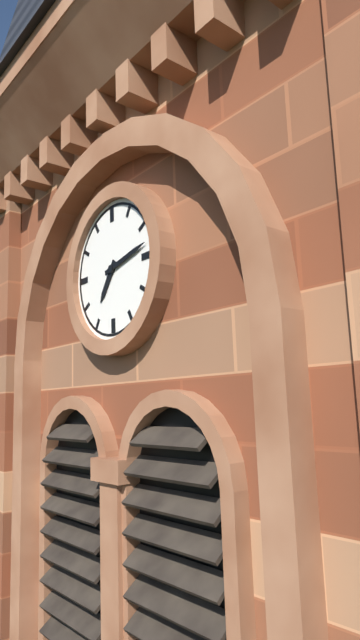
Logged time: **7:13**
